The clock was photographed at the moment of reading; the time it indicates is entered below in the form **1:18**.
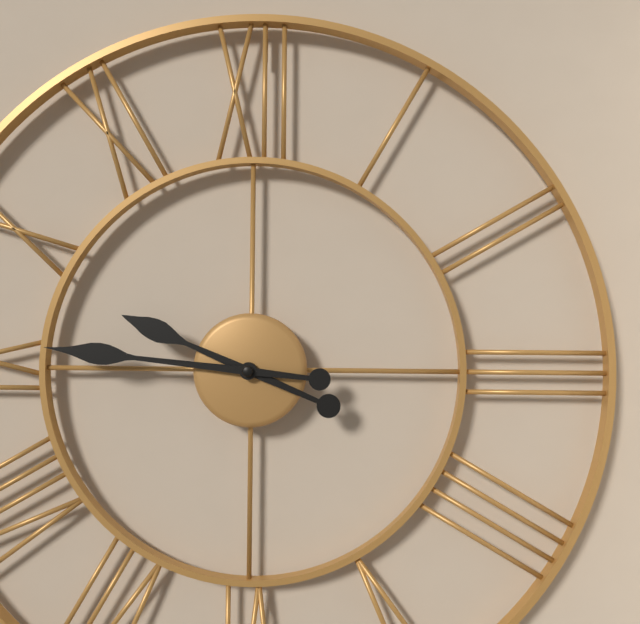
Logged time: **9:46**
